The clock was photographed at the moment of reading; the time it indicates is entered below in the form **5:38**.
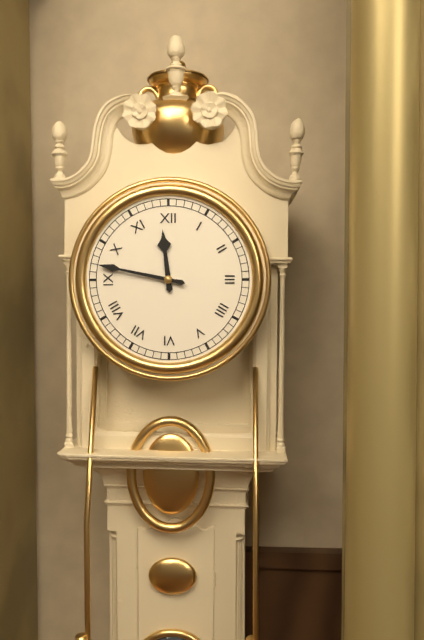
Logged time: **11:47**
